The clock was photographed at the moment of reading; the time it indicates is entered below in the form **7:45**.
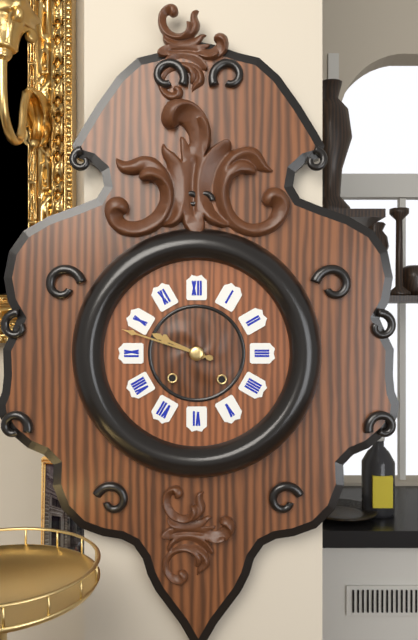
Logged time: **9:48**
